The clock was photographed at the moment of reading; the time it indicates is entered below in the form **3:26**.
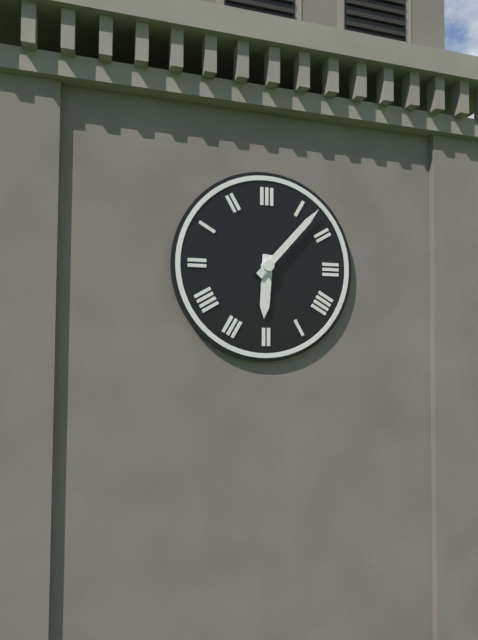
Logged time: **6:07**
